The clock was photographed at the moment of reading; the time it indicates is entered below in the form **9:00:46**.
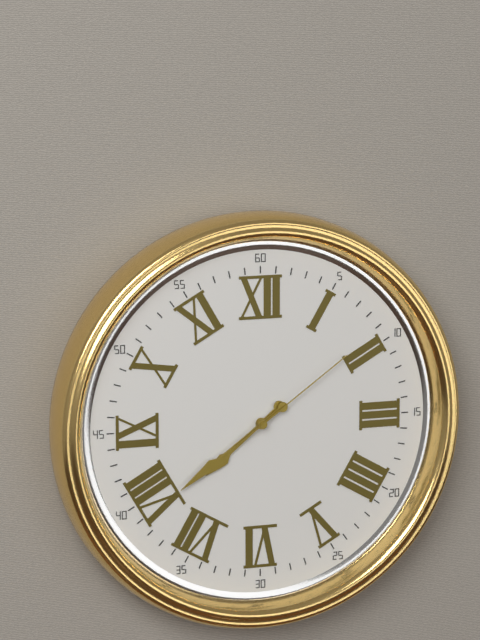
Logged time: **7:39:09**
